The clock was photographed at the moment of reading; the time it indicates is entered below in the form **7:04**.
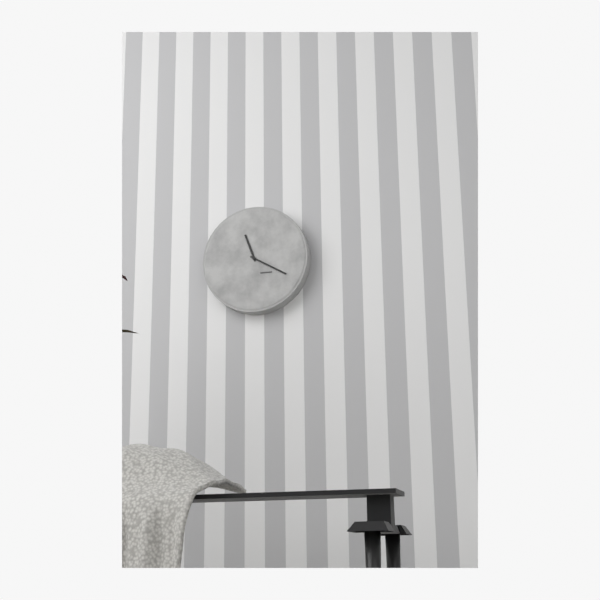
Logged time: **11:20**
